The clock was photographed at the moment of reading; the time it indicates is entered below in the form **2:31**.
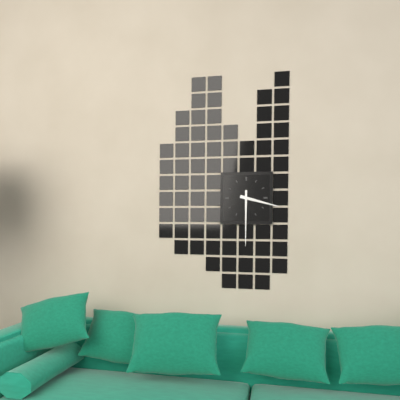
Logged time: **3:30**
